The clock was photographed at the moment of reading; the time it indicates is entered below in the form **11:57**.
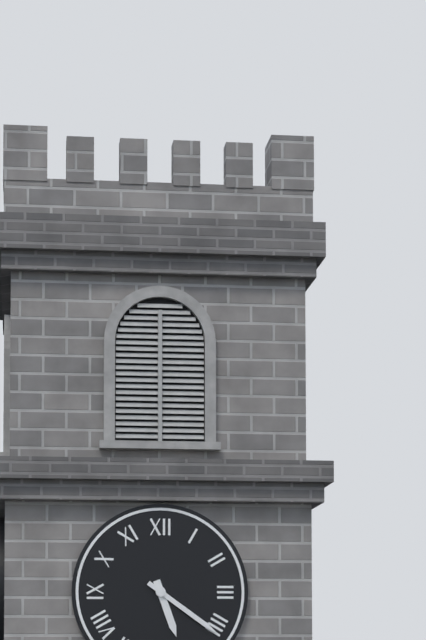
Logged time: **5:21**
